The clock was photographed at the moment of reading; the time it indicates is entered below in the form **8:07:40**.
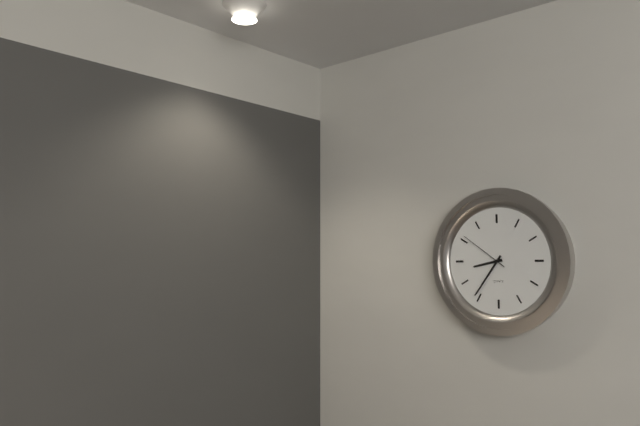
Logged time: **8:36:51**
